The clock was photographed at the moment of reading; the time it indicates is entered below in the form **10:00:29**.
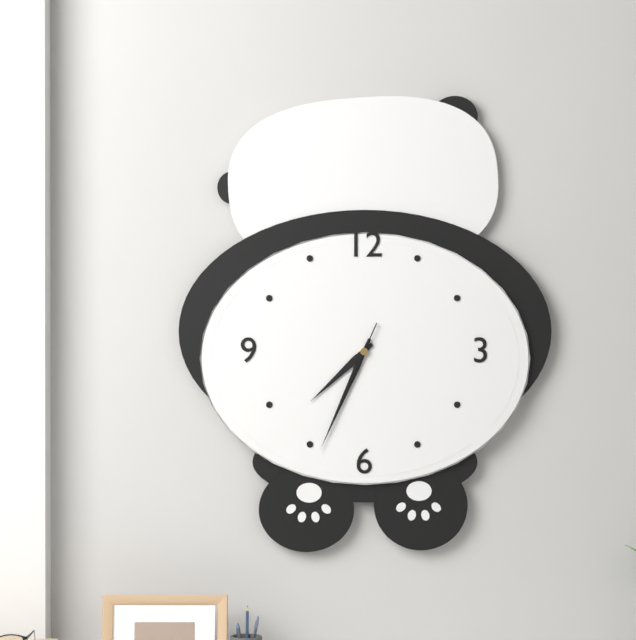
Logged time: **7:34:34**
